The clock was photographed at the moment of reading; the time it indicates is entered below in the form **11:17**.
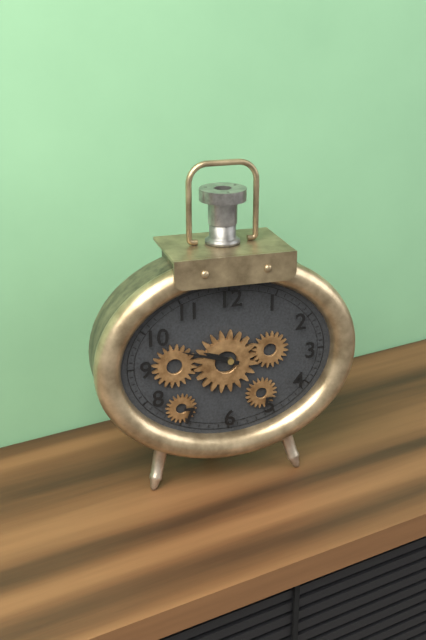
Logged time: **9:48**
